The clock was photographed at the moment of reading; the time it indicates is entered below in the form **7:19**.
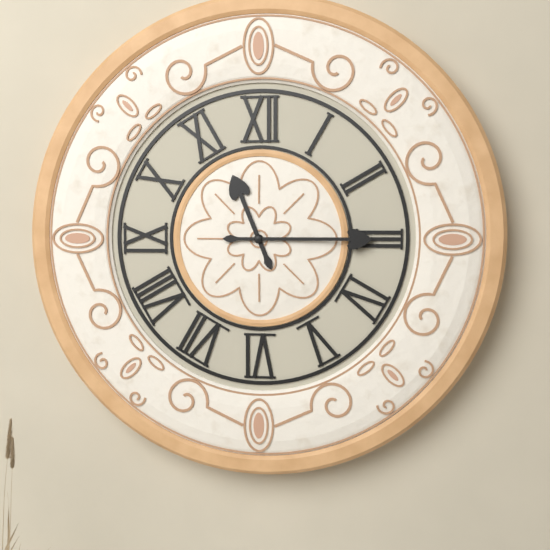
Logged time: **11:15**
